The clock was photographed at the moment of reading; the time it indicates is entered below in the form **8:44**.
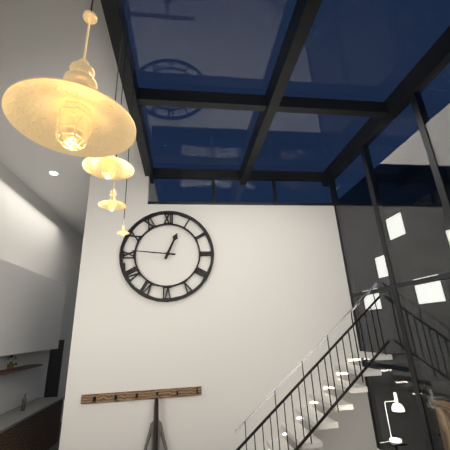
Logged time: **12:46**
